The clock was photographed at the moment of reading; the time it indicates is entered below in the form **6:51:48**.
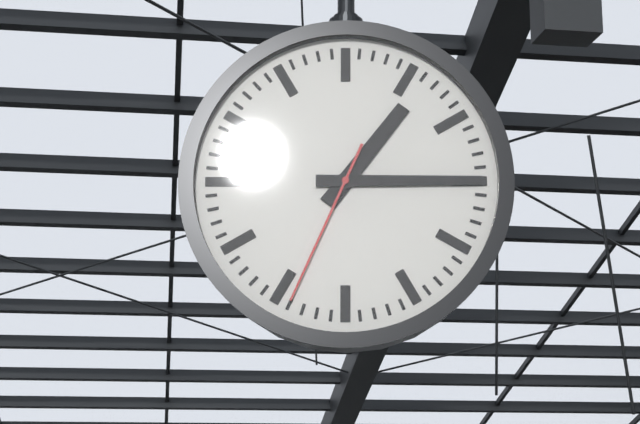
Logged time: **1:15:34**
